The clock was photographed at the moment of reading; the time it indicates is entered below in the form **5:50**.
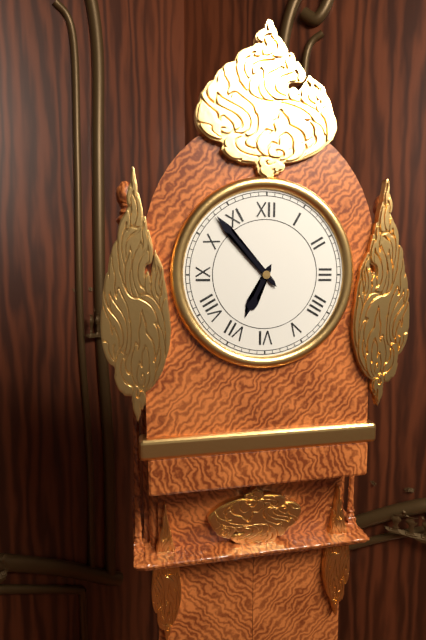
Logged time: **6:53**
